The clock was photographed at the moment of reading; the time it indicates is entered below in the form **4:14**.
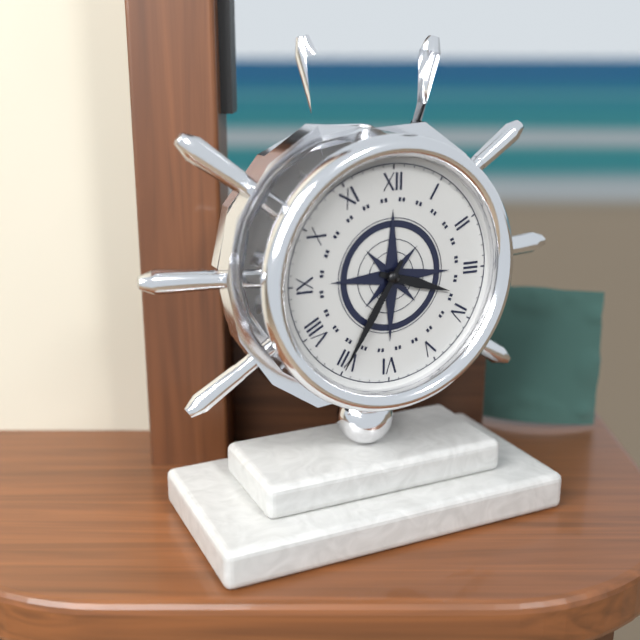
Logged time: **3:35**
